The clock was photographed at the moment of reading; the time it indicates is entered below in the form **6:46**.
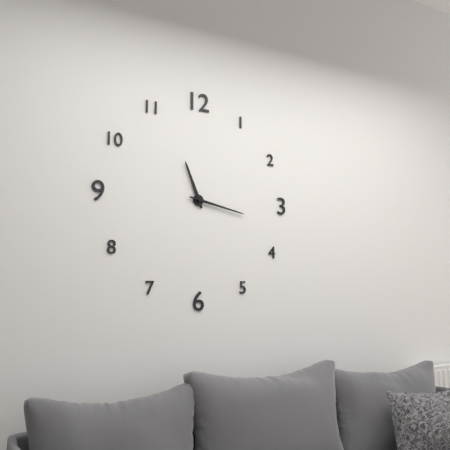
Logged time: **11:17**
